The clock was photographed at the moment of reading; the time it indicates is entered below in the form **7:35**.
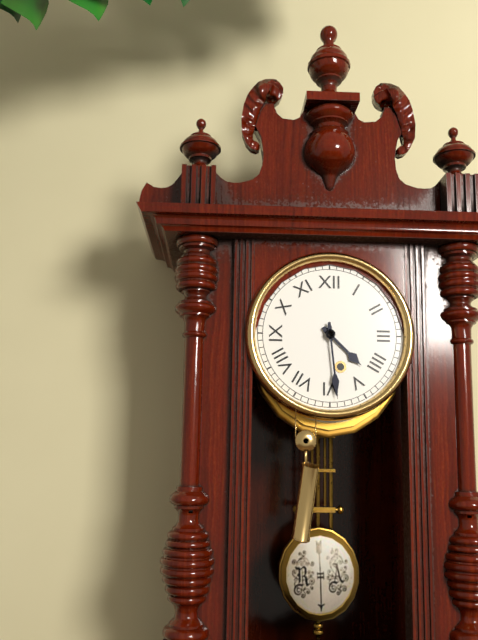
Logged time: **4:29**
